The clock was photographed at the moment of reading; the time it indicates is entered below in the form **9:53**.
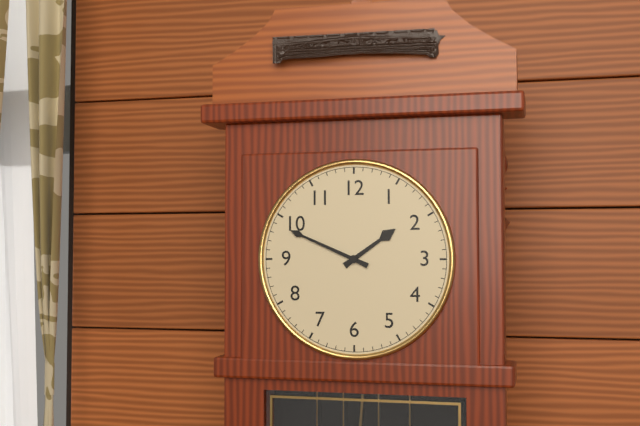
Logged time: **1:49**
